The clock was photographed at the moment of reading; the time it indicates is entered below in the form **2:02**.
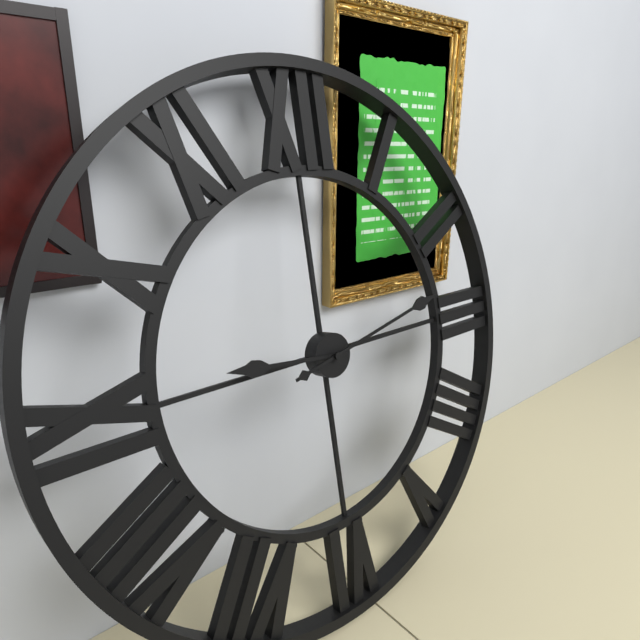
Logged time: **9:13**
